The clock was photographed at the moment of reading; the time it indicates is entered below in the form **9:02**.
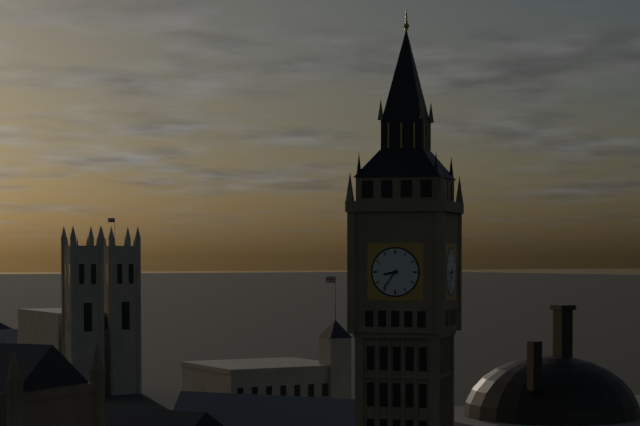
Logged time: **8:36**
